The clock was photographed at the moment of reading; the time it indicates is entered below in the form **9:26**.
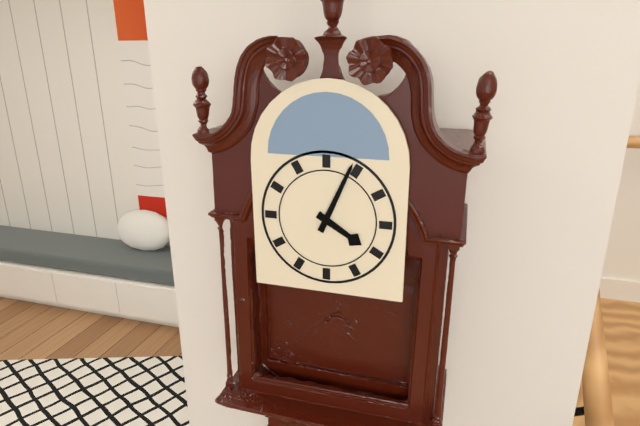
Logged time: **4:04**
